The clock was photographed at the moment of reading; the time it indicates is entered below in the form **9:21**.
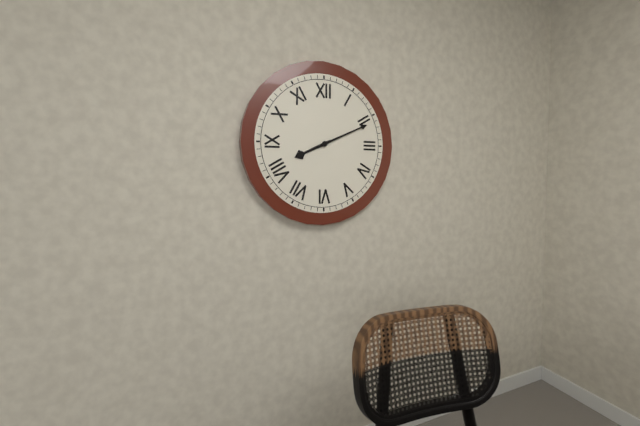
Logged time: **8:11**
